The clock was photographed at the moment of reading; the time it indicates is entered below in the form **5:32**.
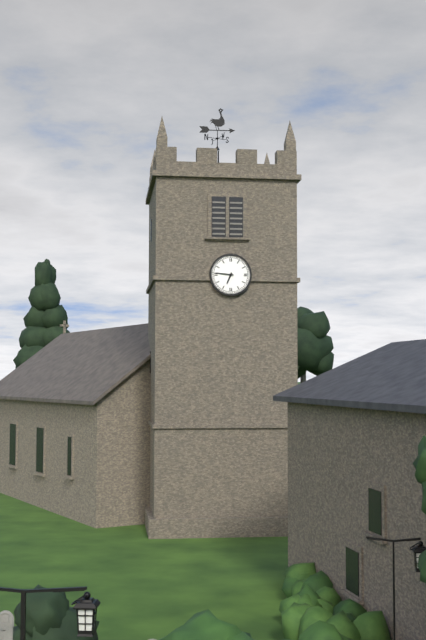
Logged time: **6:46**
